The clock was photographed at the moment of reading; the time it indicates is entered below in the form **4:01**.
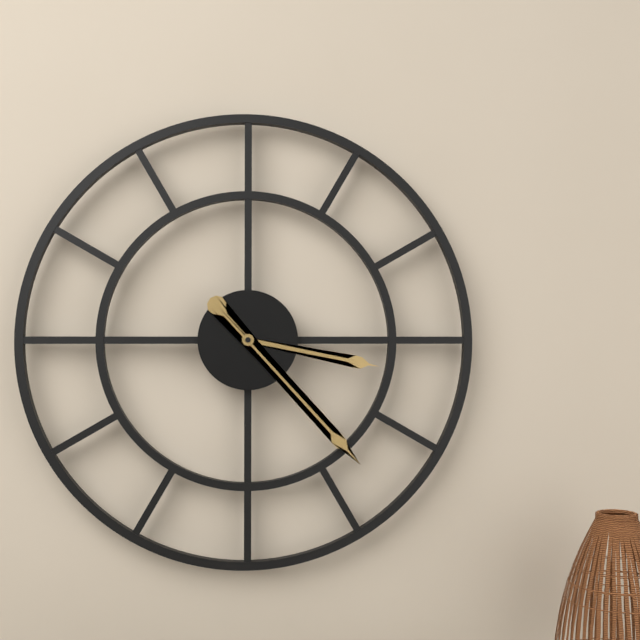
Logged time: **3:23**
